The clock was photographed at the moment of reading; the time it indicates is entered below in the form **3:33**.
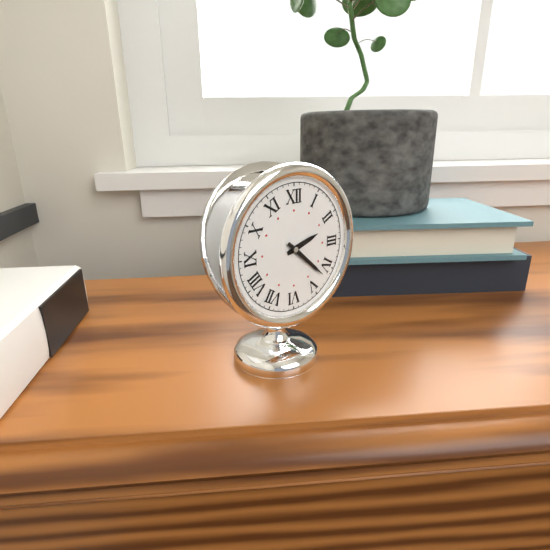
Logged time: **2:22**
